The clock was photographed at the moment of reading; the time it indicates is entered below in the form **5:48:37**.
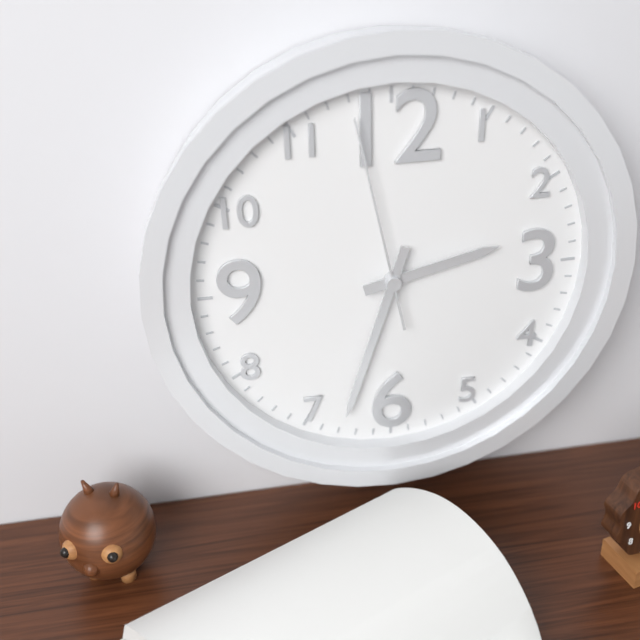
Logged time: **2:33:58**
